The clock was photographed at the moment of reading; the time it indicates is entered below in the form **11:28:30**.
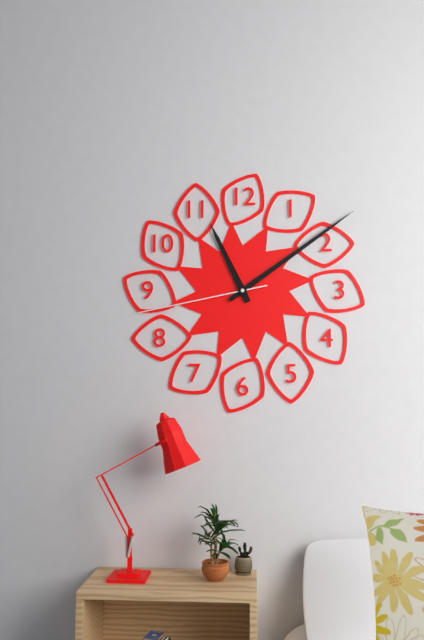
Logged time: **11:09:43**
